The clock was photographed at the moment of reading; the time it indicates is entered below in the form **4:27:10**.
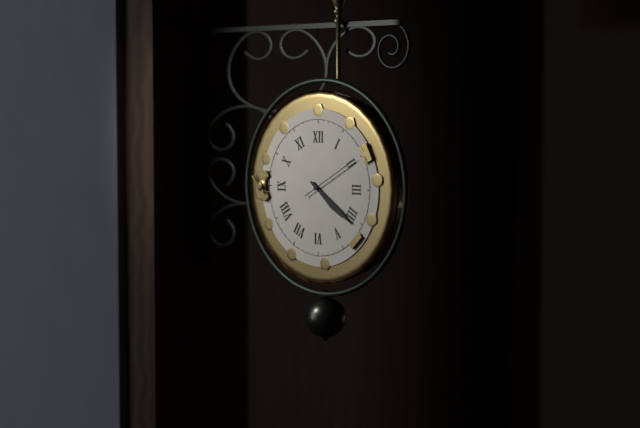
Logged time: **4:21:10**
